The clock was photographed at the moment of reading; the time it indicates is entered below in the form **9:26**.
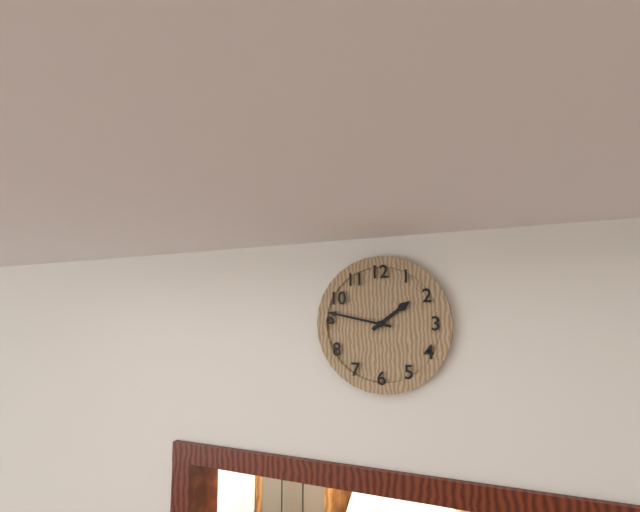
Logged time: **1:47**
